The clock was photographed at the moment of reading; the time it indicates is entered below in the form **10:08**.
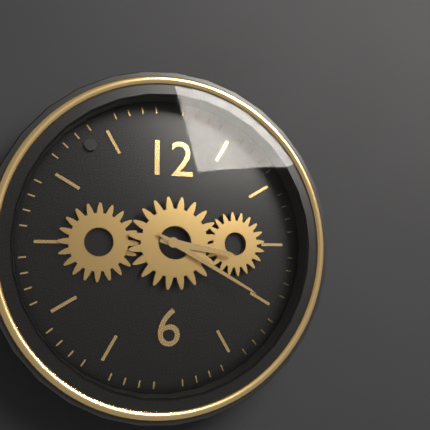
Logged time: **3:20**
